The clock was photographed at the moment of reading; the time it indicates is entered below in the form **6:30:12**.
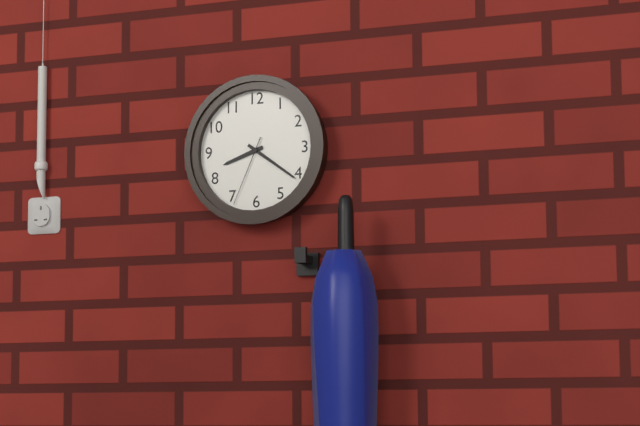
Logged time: **8:21:34**
